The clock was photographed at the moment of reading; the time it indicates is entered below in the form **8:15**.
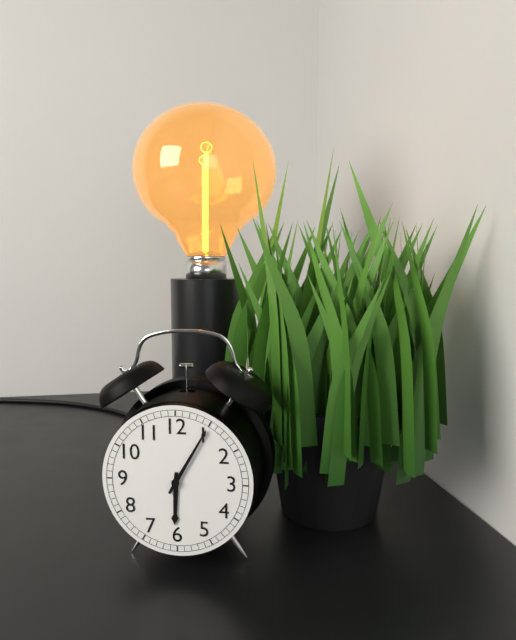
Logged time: **6:05**
